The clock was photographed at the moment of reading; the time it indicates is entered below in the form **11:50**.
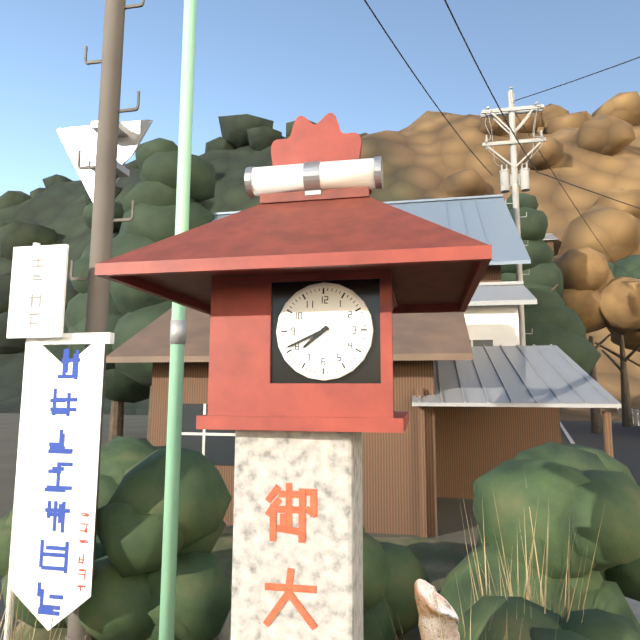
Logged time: **7:41**
